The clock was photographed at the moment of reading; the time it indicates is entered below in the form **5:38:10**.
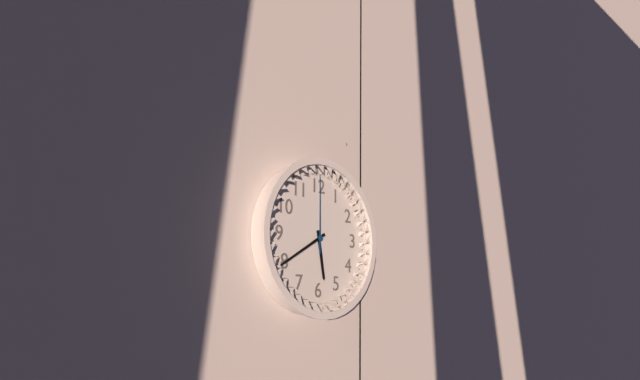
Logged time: **5:40:00**
